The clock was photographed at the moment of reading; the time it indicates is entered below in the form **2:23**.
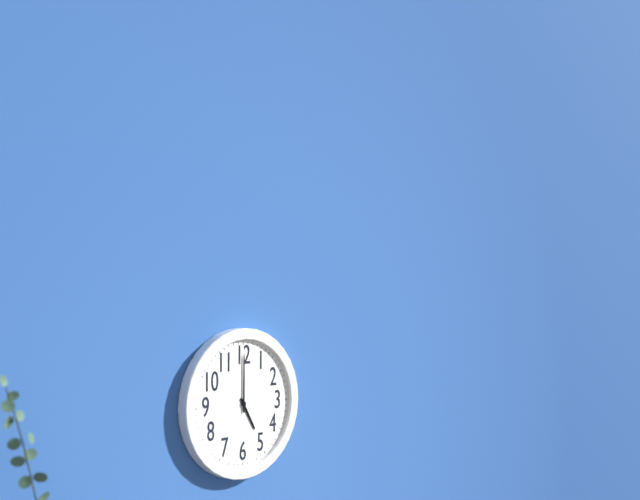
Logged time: **5:00**
